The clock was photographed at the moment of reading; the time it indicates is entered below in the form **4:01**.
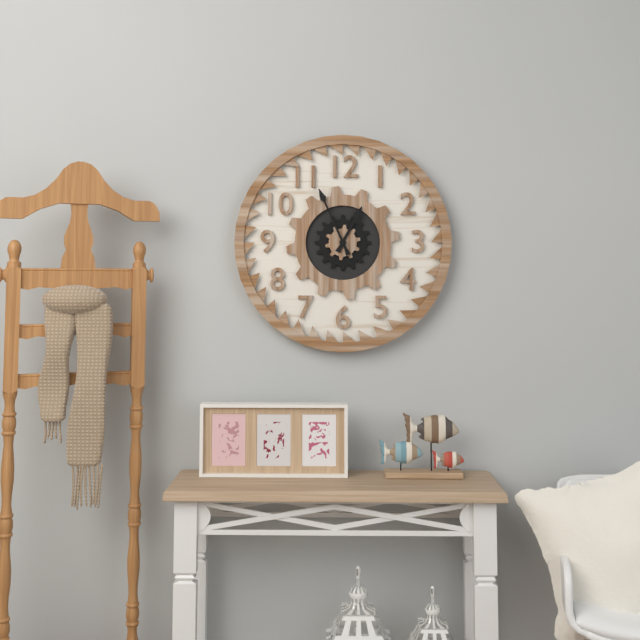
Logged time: **12:56**
